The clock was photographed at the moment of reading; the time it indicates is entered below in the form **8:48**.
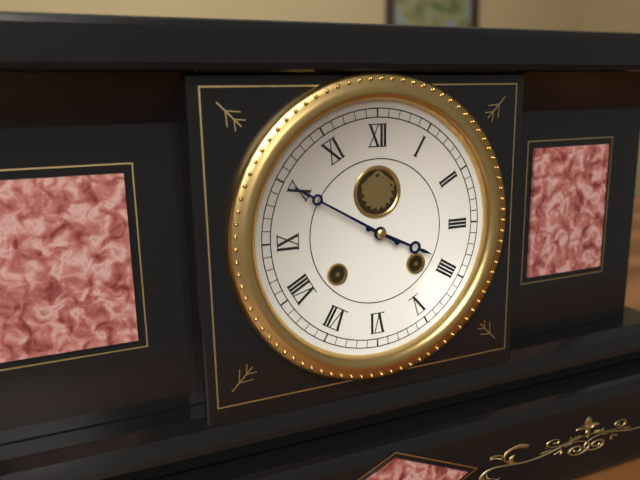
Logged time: **3:50**
